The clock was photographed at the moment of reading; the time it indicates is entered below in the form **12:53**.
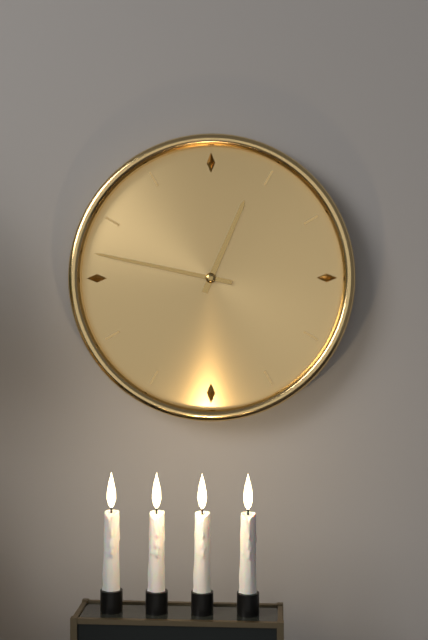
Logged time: **12:47**
